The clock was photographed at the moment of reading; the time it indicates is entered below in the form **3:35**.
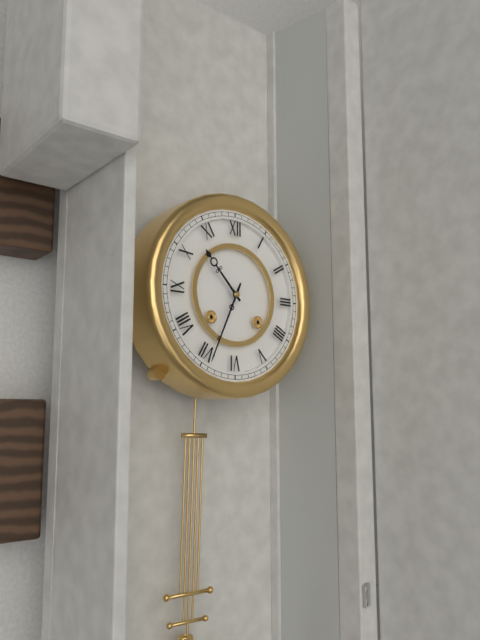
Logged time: **10:34**
